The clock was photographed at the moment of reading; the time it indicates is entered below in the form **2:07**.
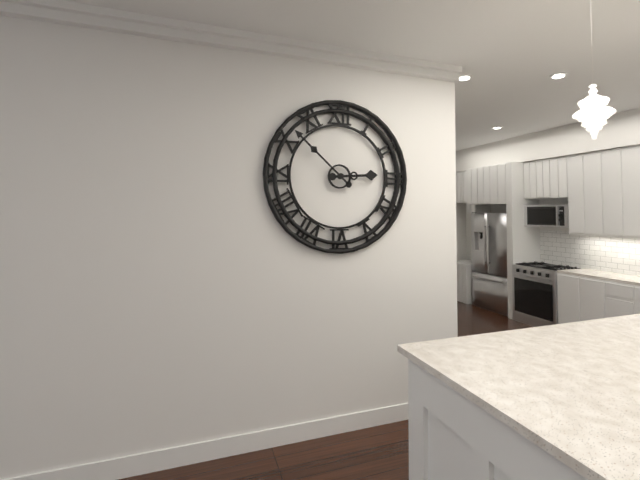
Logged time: **2:52**
